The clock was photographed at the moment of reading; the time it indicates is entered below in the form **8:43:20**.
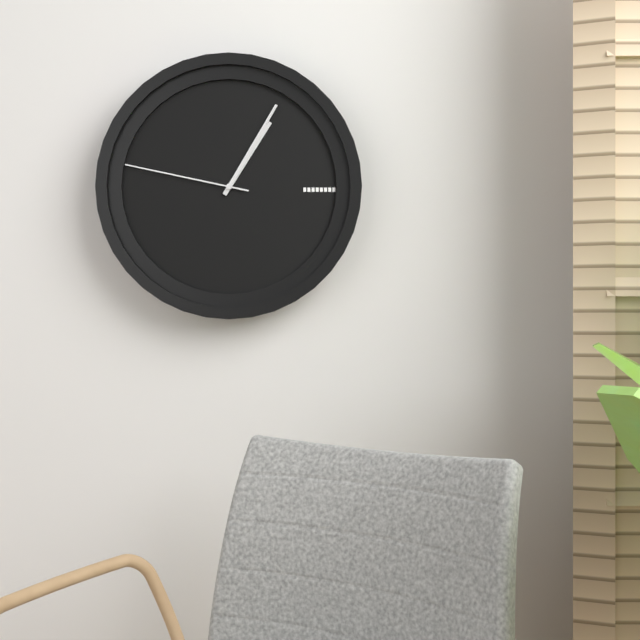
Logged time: **1:05:47**
